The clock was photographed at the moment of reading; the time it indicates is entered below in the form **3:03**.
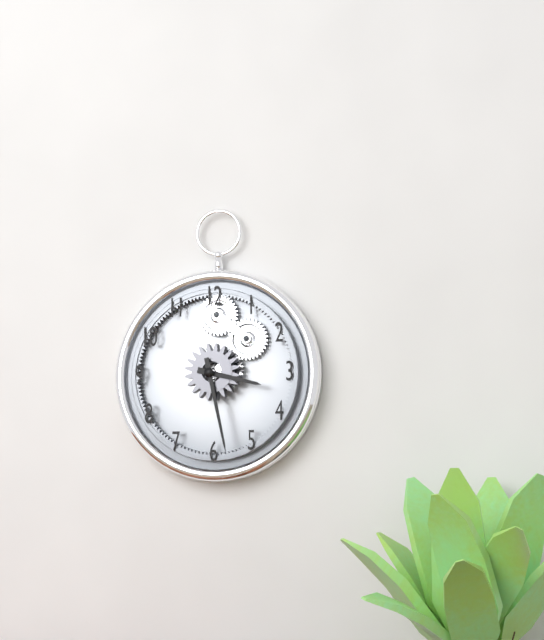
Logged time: **3:28**
